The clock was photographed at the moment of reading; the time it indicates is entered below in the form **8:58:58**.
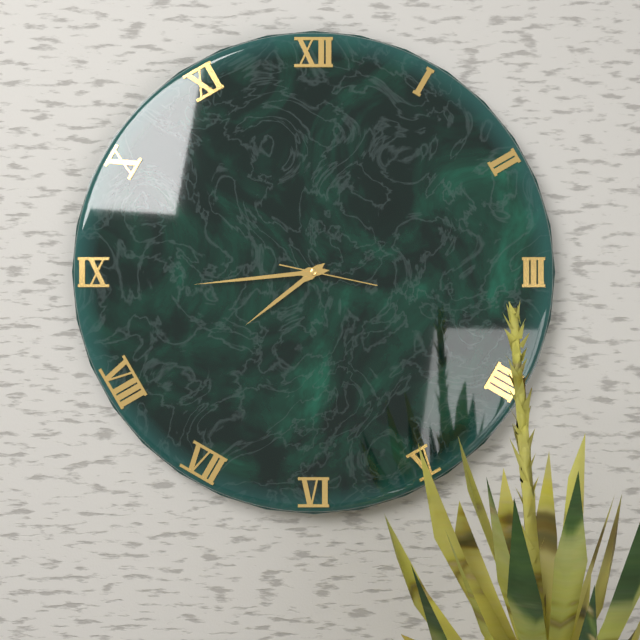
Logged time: **7:44:17**
